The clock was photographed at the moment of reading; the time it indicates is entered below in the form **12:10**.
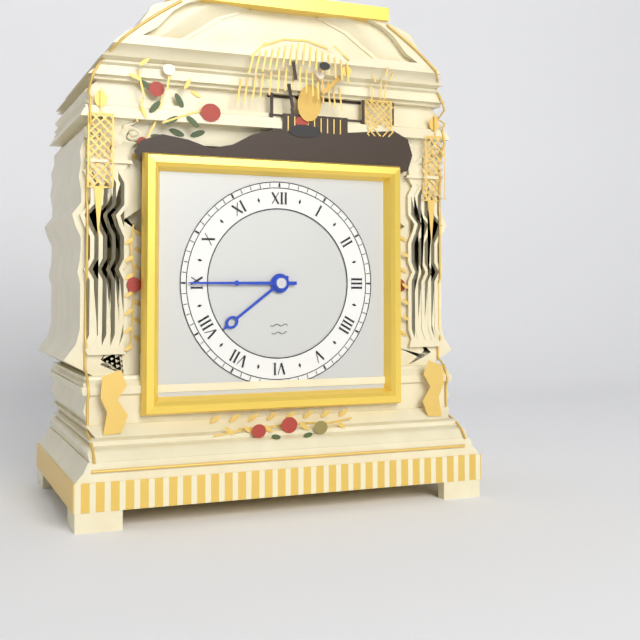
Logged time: **7:45**
